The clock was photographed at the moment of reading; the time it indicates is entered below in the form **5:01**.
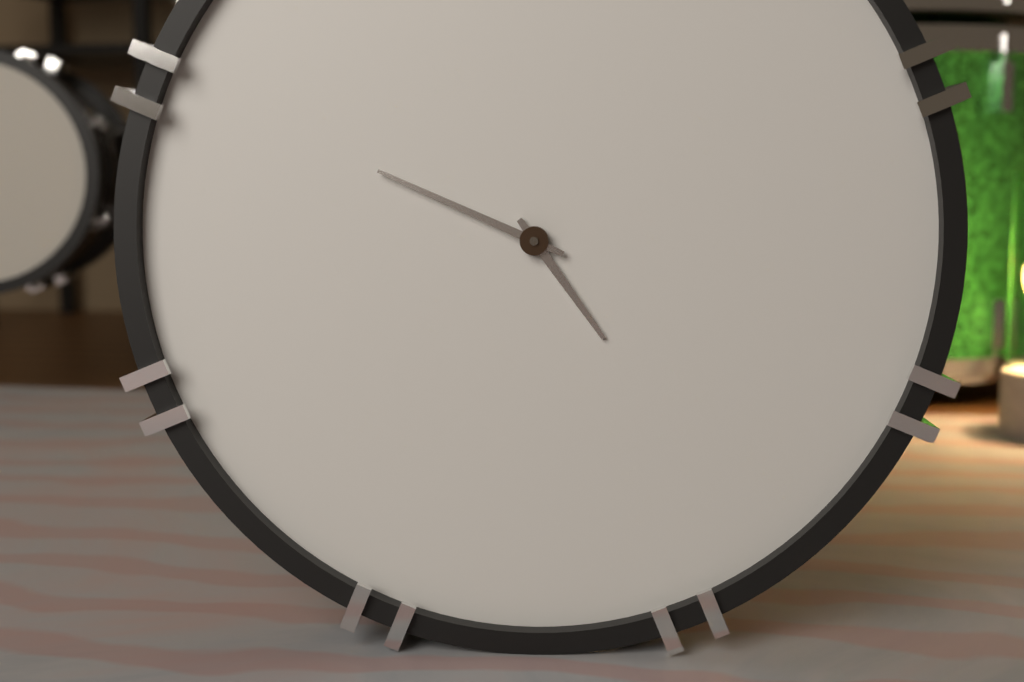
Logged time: **4:49**
